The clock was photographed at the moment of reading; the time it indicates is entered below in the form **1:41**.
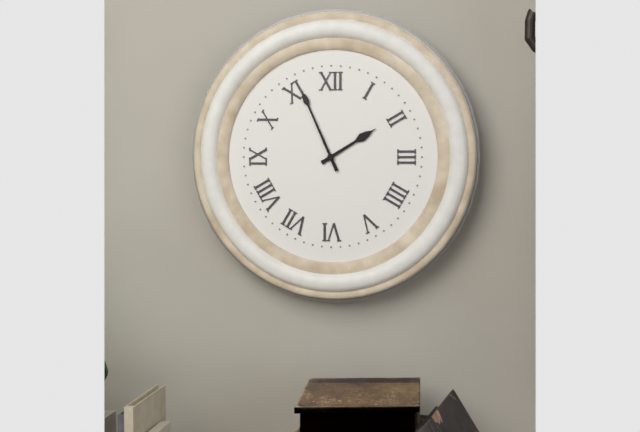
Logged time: **1:56**
